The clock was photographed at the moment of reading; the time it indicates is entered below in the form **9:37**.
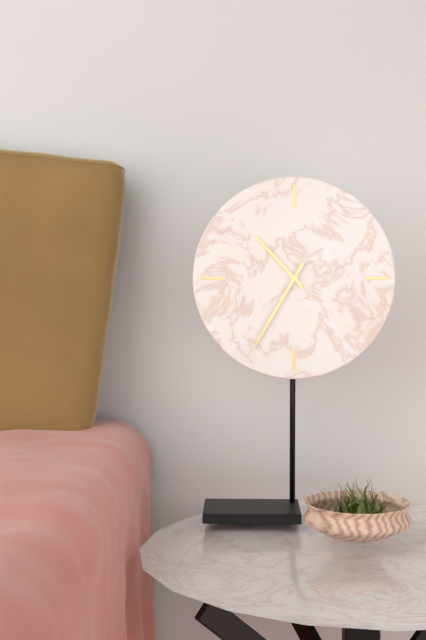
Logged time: **10:35**
